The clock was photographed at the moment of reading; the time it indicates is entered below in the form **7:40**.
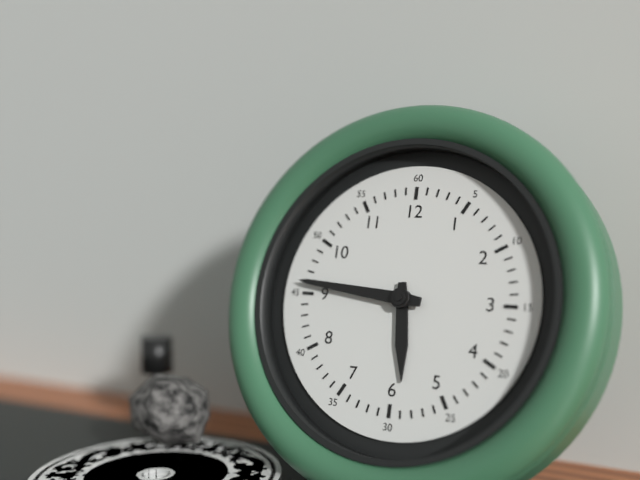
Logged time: **5:46**
